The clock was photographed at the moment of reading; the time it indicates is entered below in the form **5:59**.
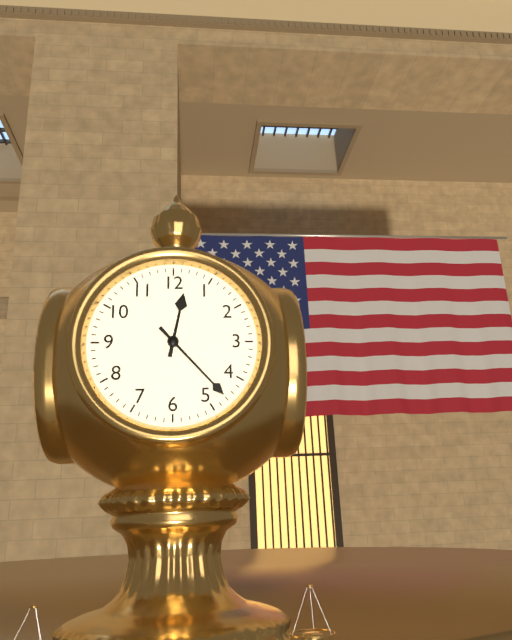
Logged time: **12:23**
